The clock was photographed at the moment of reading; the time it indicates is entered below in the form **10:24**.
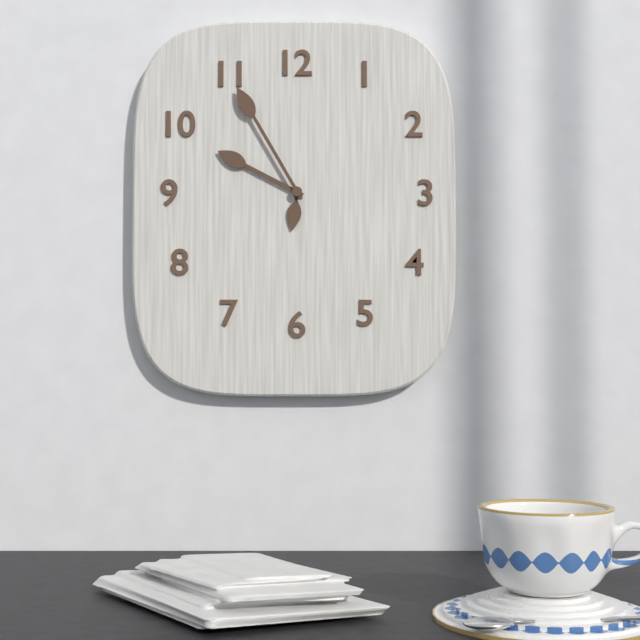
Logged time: **9:55**
